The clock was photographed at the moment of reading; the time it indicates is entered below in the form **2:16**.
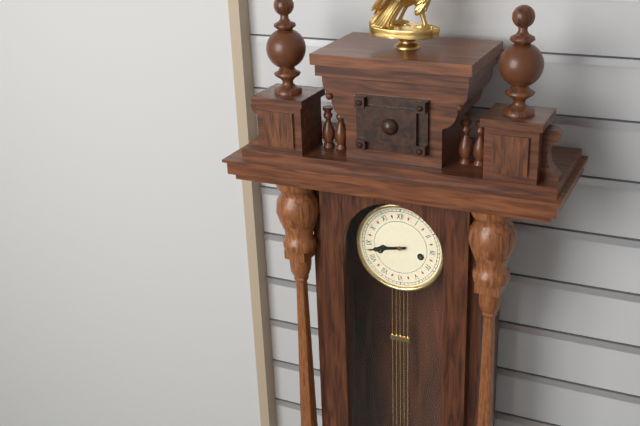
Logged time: **8:43**
